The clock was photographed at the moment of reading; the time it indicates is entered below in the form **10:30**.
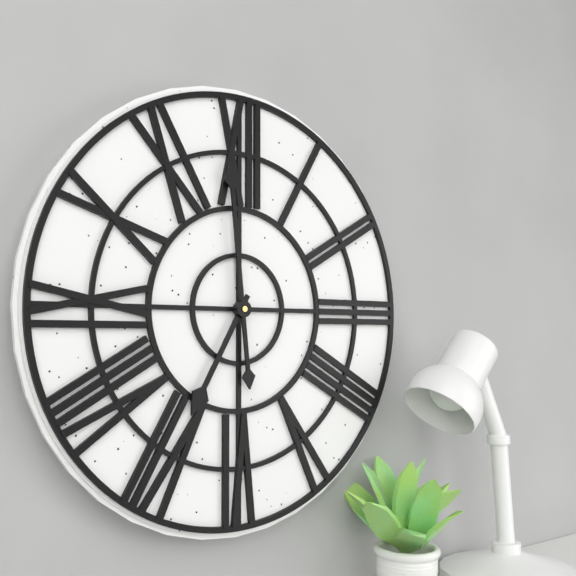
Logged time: **6:59**
